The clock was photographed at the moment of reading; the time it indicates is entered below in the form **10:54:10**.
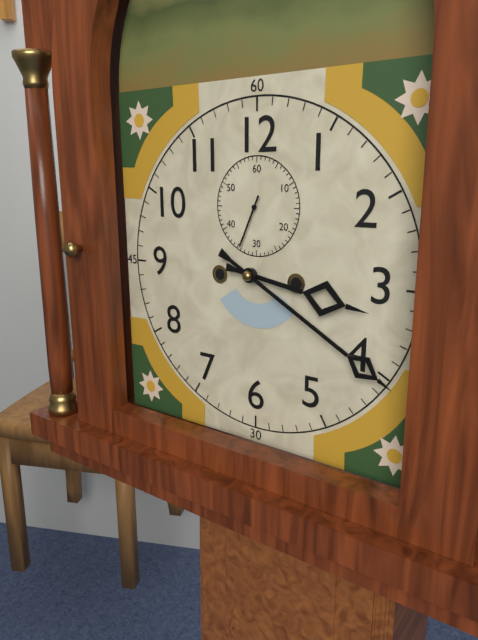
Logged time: **3:20:34**
